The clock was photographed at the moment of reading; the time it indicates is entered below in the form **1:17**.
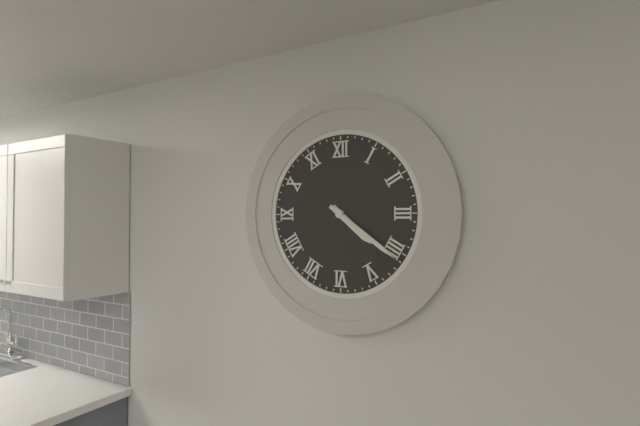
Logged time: **4:21**
